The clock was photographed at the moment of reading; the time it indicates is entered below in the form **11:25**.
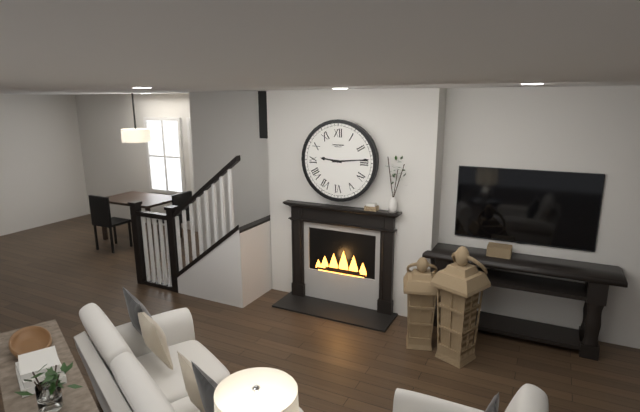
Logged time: **9:14**
